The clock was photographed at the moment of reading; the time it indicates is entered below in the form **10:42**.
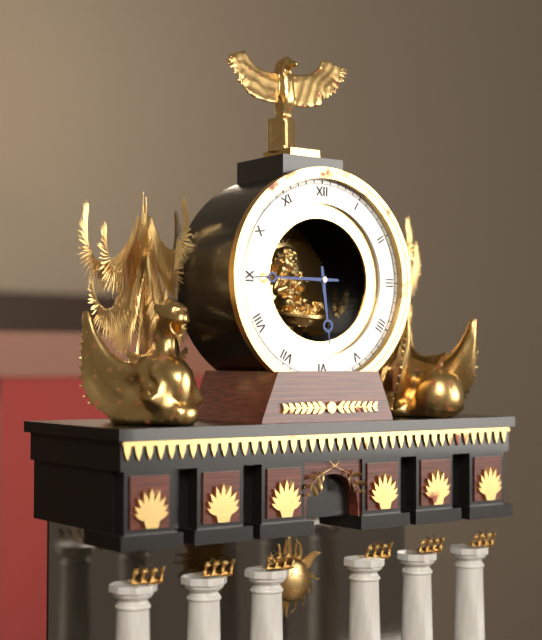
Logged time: **5:45**
